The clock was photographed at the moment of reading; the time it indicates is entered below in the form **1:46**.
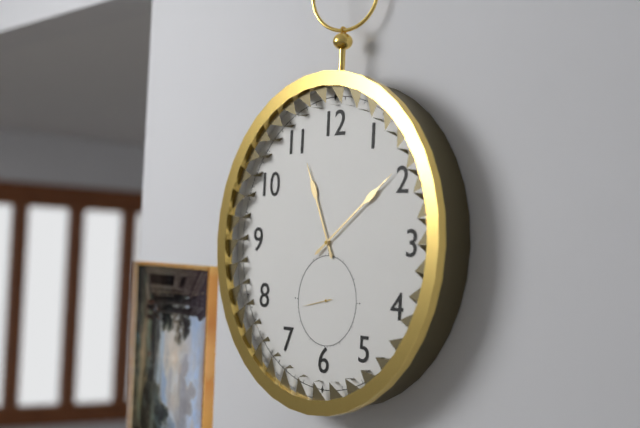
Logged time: **11:09**
